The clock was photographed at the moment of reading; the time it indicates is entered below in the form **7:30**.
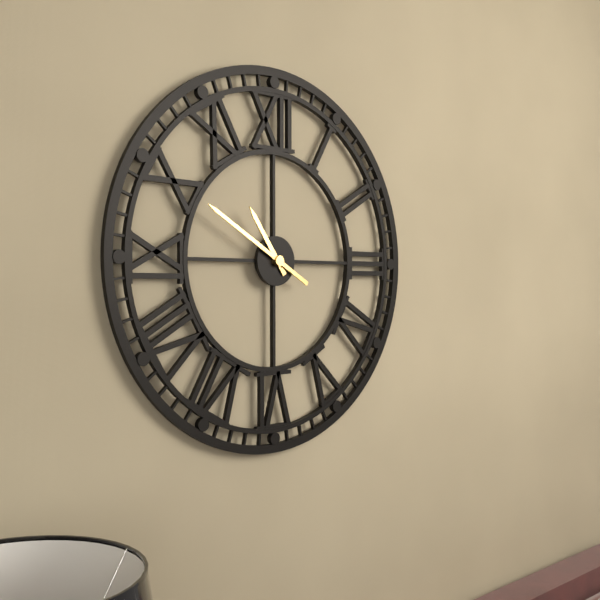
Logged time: **10:50**
